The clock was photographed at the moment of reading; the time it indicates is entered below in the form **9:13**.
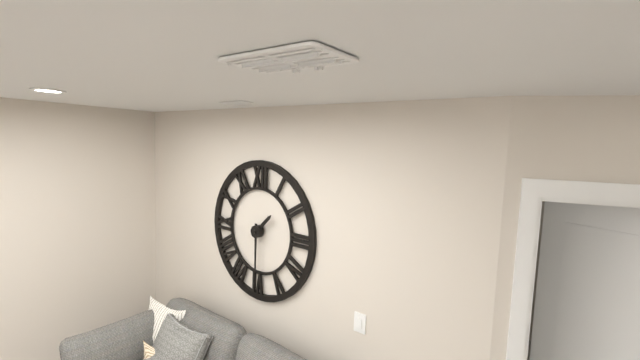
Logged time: **1:30**
